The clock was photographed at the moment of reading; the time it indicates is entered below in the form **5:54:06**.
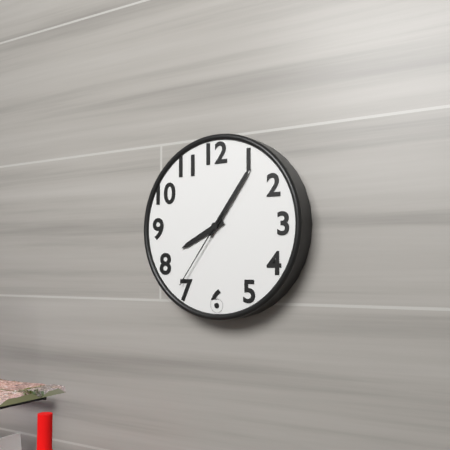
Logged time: **8:06:36**
